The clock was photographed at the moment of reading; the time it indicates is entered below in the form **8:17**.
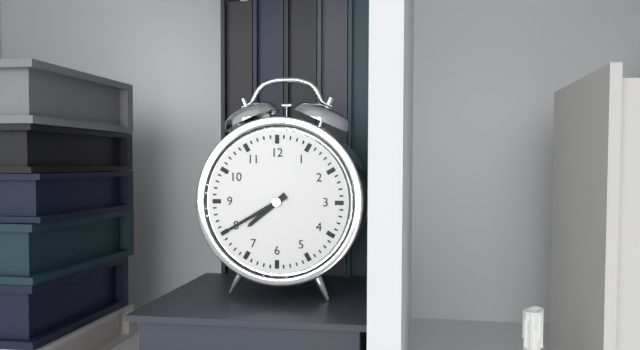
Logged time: **7:40**
